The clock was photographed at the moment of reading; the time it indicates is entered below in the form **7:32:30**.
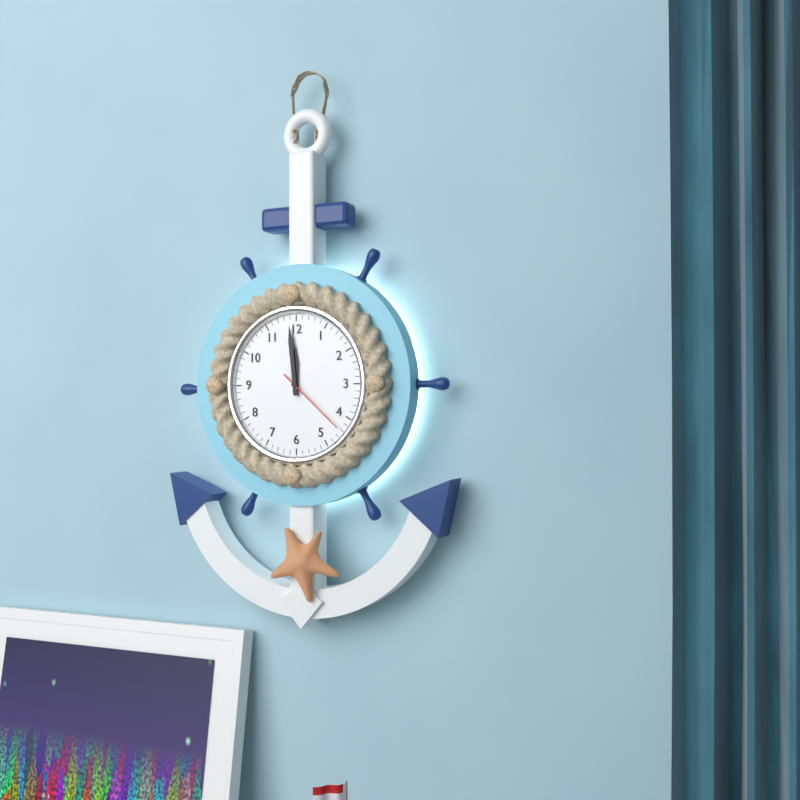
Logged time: **11:59:22**
